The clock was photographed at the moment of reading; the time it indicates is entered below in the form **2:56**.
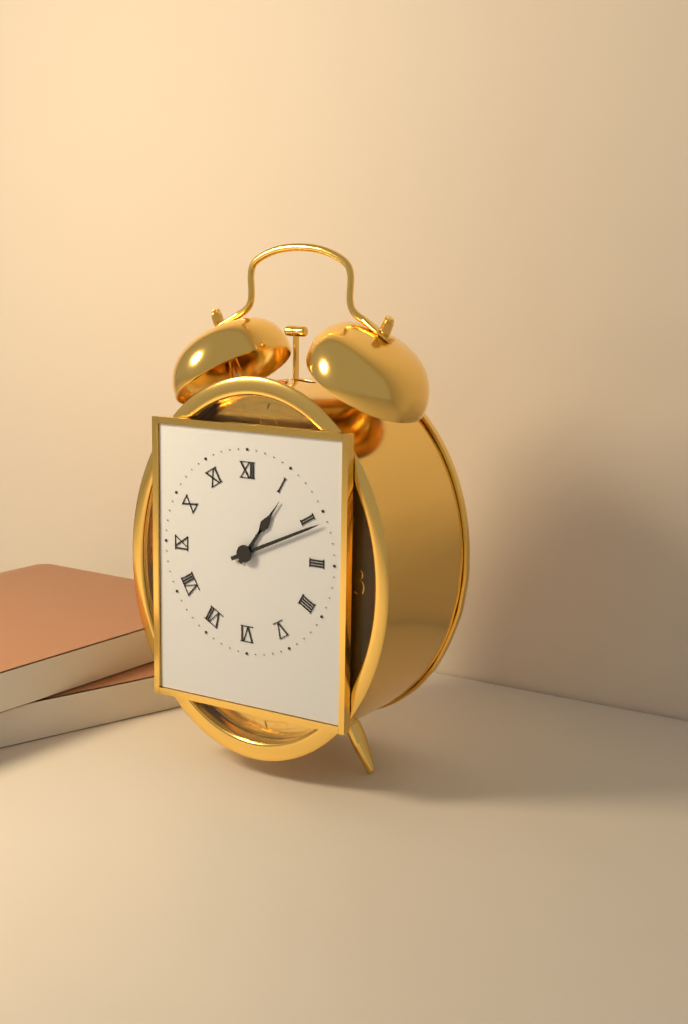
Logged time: **1:11**
